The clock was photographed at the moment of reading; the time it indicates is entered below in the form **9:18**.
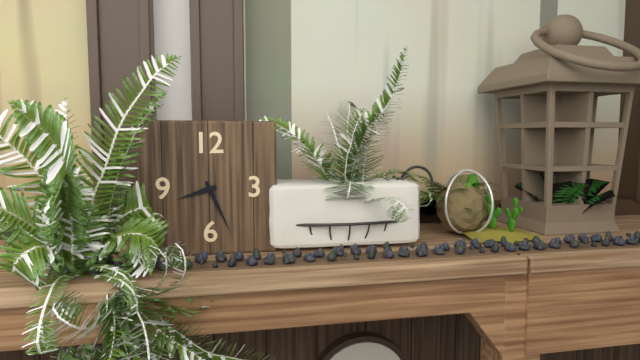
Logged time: **8:26**
